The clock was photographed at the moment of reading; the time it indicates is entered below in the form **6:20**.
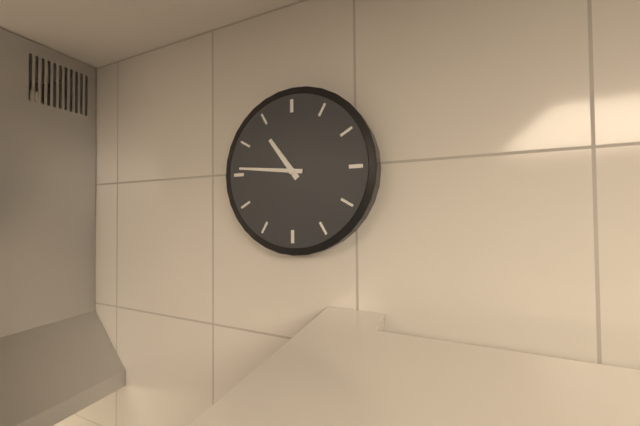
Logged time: **10:46**
